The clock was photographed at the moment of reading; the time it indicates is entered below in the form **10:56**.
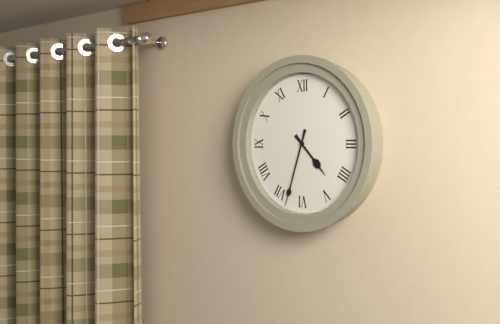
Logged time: **4:33**
